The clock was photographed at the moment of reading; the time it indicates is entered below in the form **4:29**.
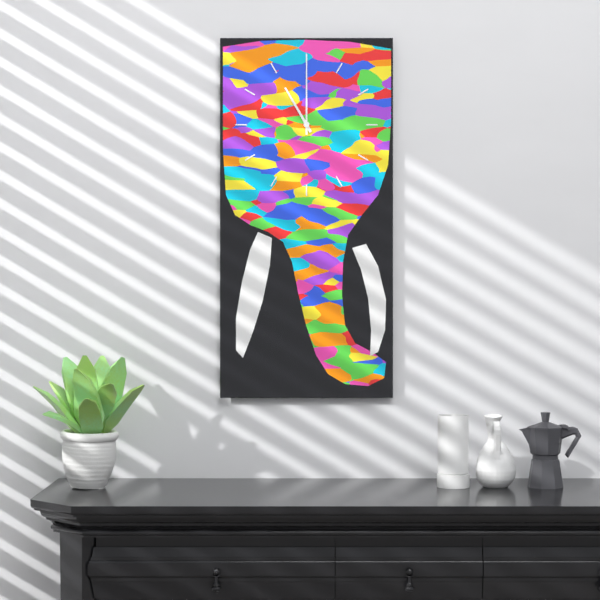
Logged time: **11:00**
